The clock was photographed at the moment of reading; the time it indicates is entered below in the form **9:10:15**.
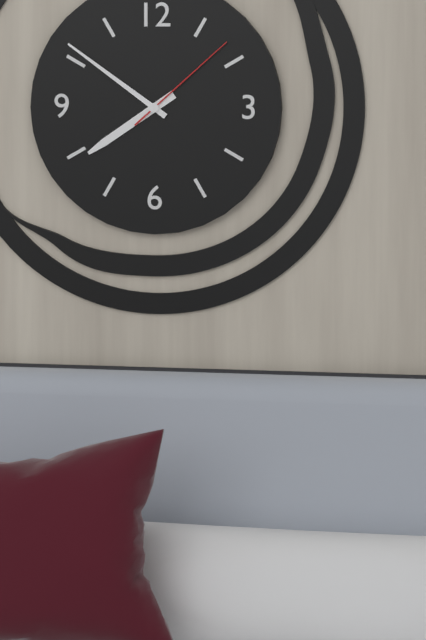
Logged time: **7:51:08**
